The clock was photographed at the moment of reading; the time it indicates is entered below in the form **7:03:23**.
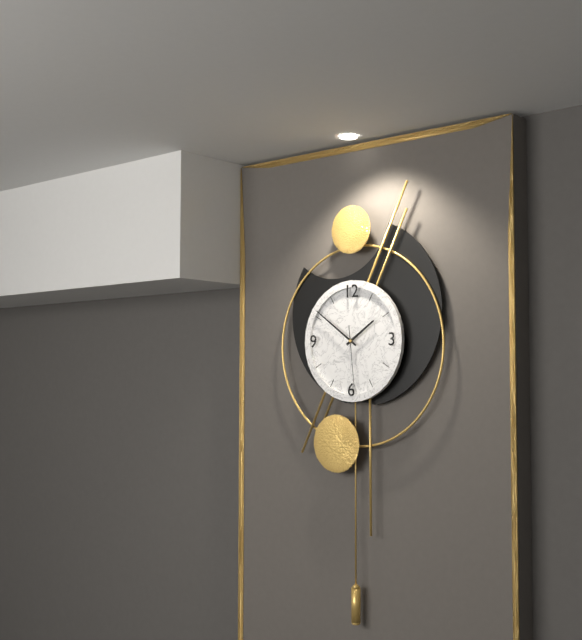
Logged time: **1:51:29**
